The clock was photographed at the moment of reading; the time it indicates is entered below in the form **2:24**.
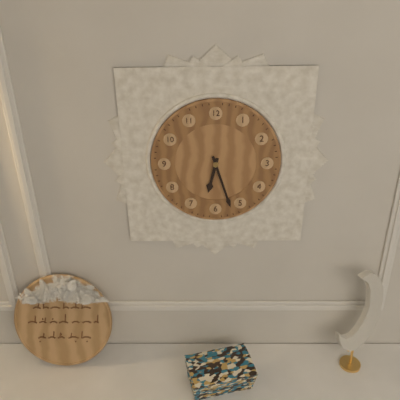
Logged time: **6:27**
